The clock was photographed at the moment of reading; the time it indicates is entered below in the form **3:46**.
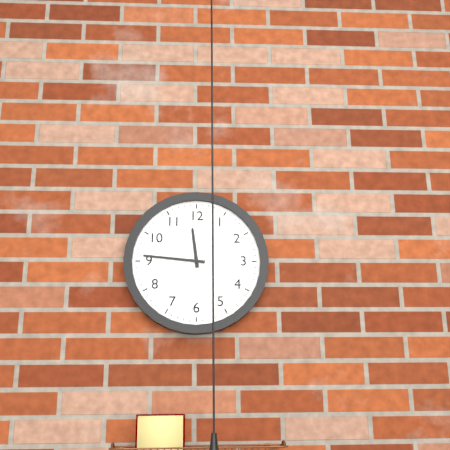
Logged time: **11:46**
